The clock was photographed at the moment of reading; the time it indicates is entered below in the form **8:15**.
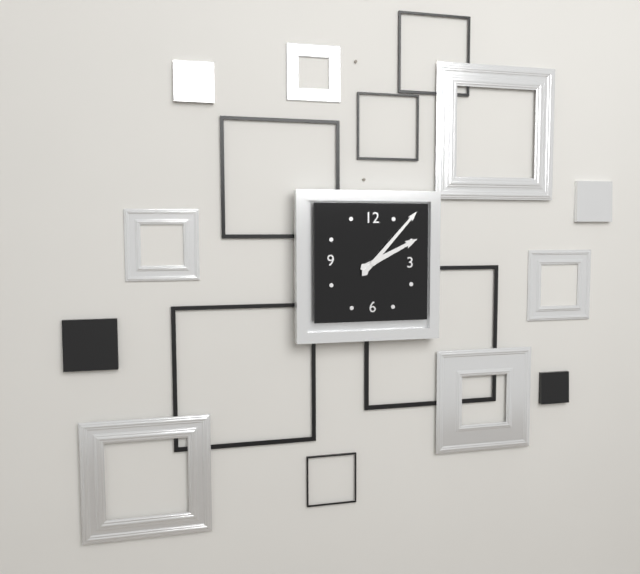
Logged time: **2:07**
